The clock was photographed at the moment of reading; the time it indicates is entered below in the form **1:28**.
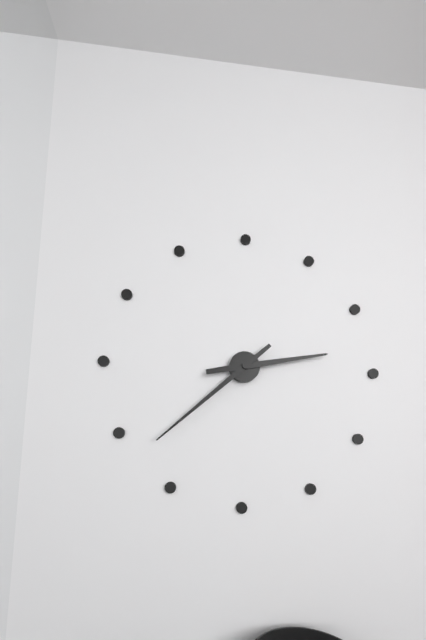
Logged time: **2:38**
